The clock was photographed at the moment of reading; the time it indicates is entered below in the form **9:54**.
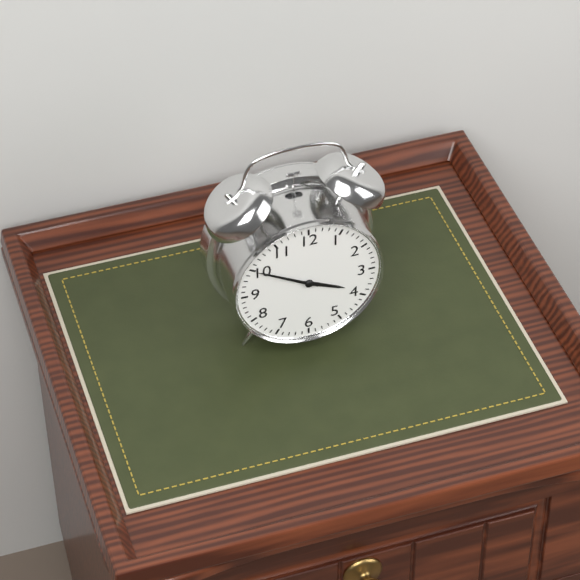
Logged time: **3:50**
